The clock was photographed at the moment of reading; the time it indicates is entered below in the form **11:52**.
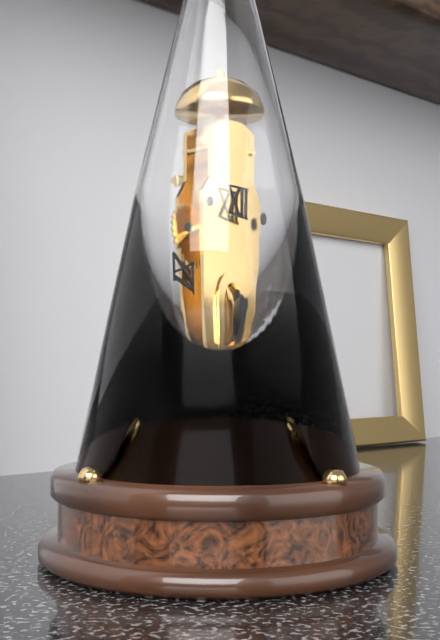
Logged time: **5:38**
